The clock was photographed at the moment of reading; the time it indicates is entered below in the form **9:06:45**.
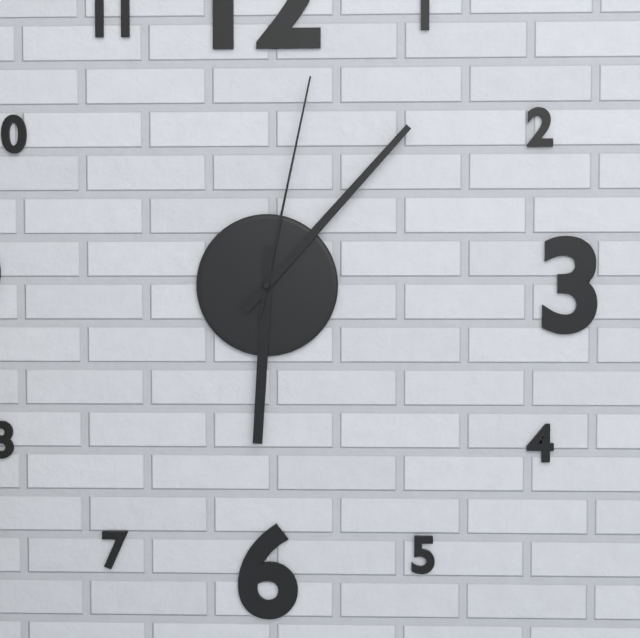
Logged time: **6:07:02**
